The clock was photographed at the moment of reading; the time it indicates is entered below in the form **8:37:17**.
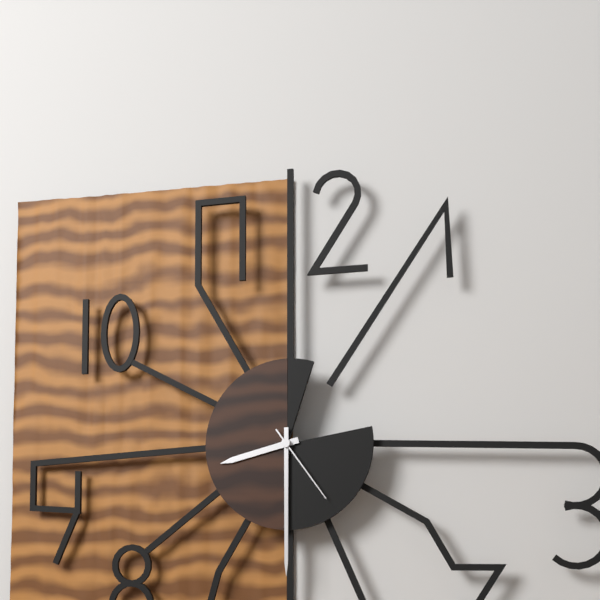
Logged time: **8:30:24**
